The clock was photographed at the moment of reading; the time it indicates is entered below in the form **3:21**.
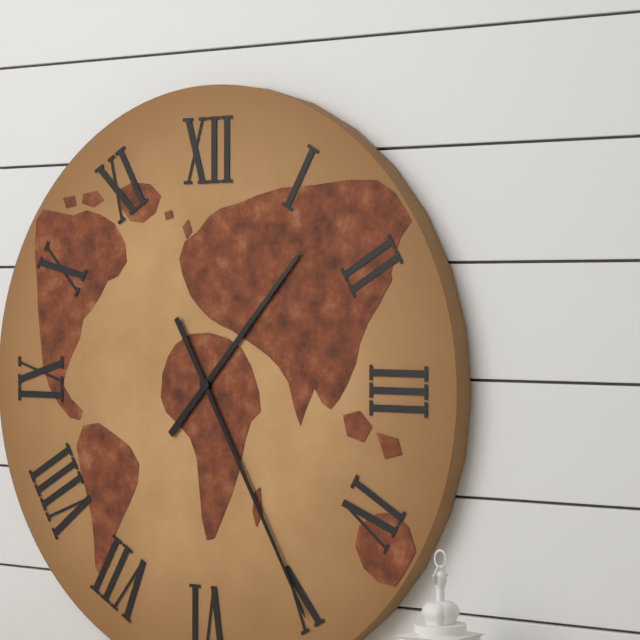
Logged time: **1:25**
